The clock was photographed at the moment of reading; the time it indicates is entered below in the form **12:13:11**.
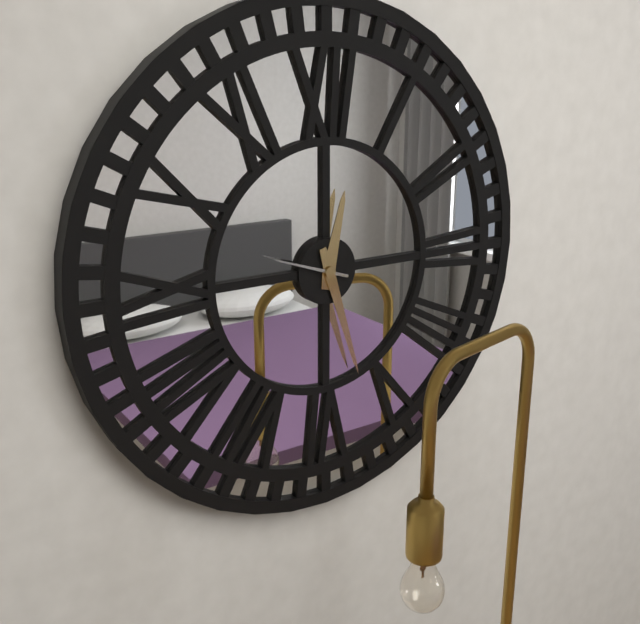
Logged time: **12:27:48**
